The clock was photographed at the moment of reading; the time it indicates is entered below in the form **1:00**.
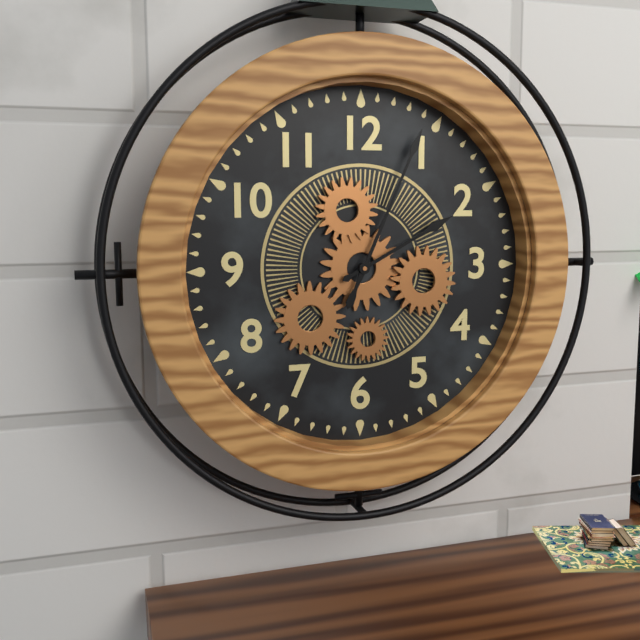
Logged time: **2:04**
